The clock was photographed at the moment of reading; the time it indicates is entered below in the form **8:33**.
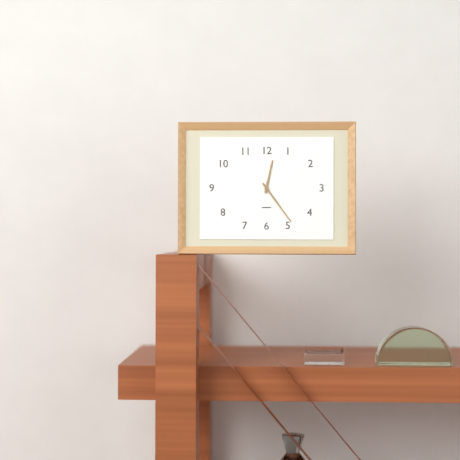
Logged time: **12:24**
